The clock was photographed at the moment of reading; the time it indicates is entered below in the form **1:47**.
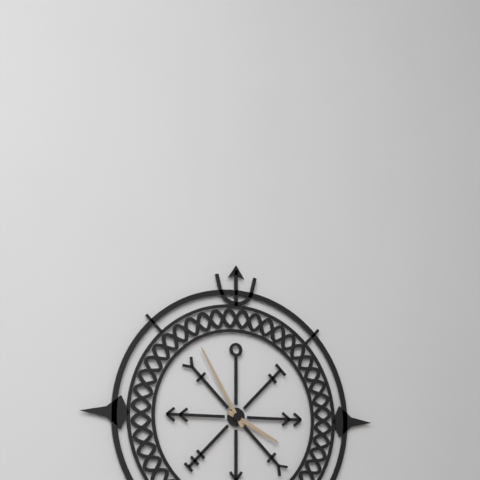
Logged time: **3:55**
